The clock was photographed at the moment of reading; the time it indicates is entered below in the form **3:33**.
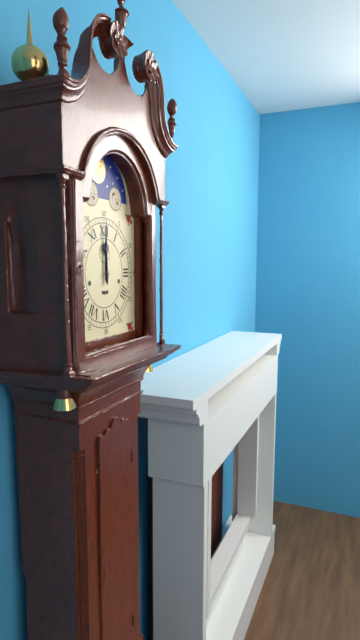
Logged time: **12:00**
